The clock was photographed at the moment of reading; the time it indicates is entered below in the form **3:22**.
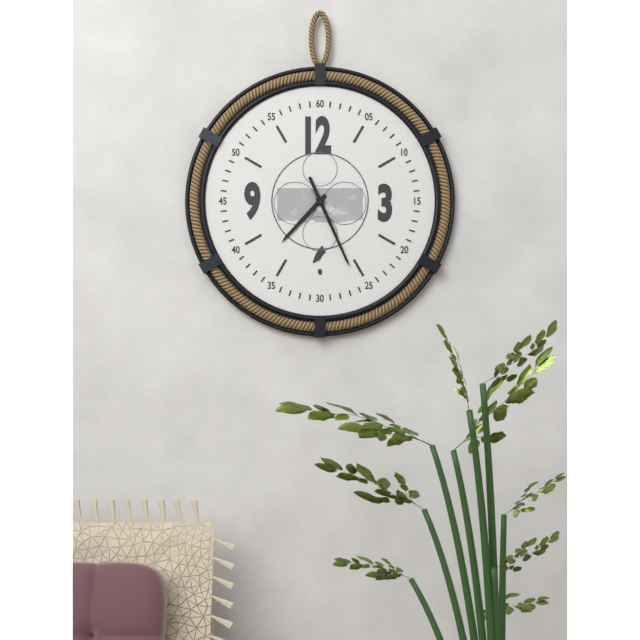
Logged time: **7:26**
